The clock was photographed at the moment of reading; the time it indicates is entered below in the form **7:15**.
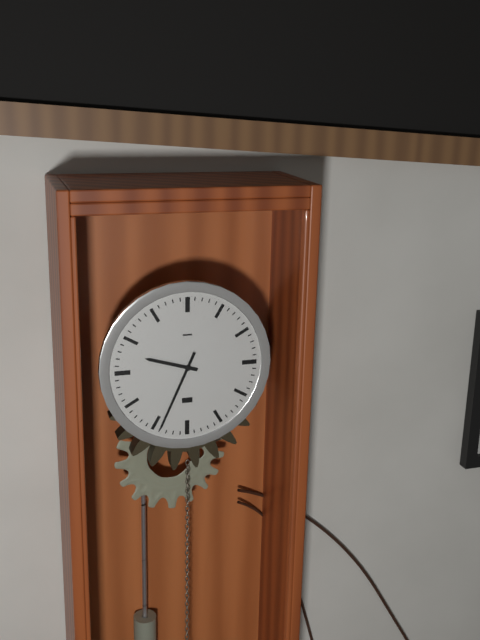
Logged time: **9:34**
